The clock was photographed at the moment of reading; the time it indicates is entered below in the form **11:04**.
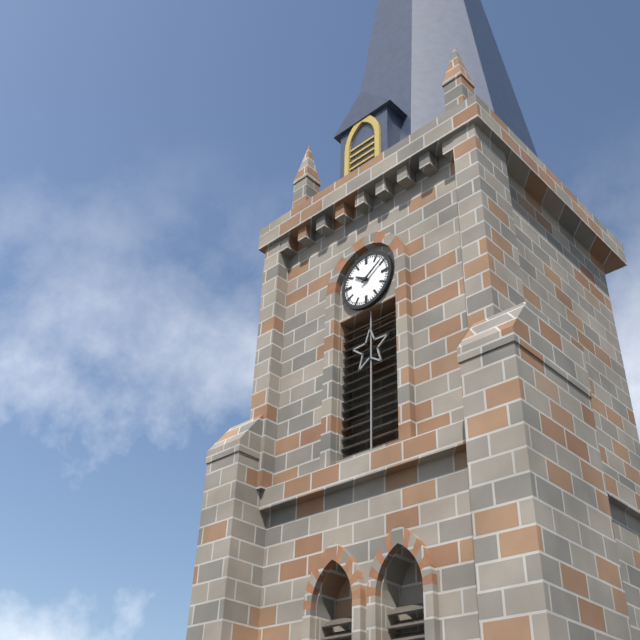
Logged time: **10:09**
